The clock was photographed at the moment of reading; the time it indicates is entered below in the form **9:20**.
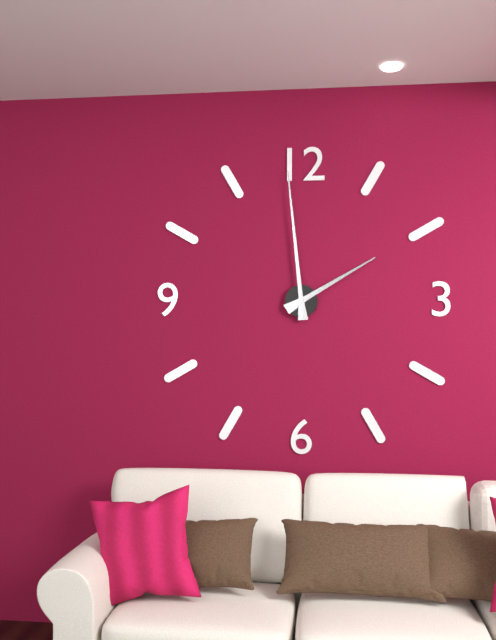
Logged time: **1:59**
